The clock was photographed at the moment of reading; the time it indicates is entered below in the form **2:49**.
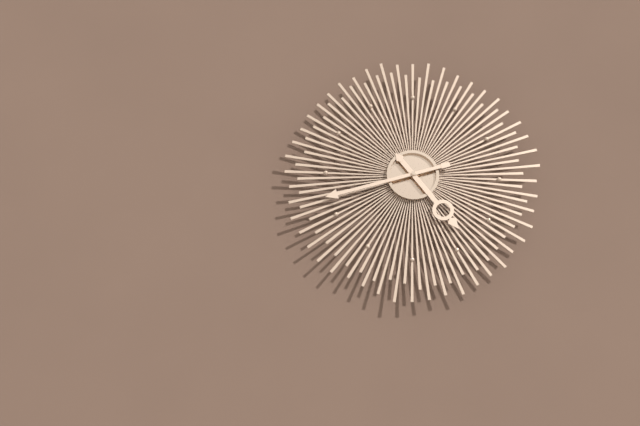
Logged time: **4:42**
